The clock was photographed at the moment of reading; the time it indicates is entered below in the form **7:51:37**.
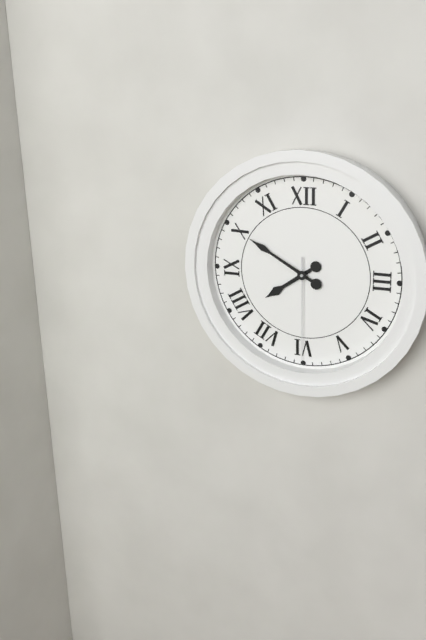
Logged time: **7:50:30**
